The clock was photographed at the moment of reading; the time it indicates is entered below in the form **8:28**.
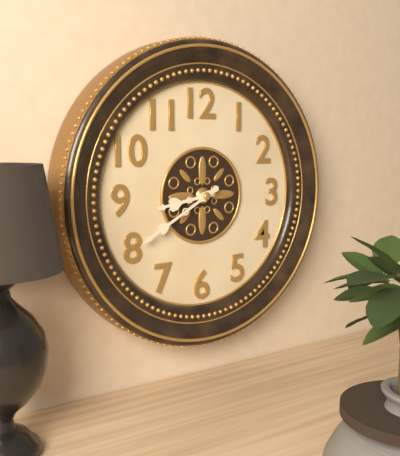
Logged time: **8:40**
